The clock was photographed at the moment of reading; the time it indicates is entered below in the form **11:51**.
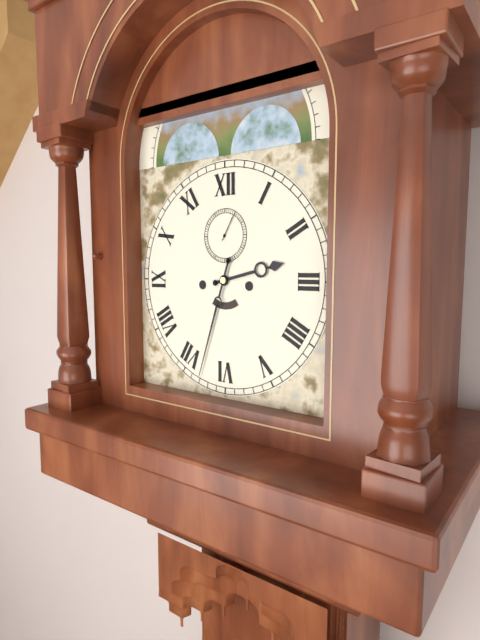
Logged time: **2:33**
